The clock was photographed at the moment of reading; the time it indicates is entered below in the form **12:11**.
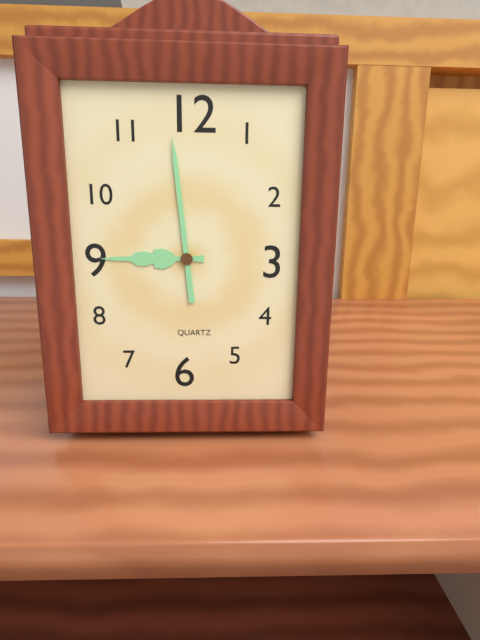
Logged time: **8:59**
